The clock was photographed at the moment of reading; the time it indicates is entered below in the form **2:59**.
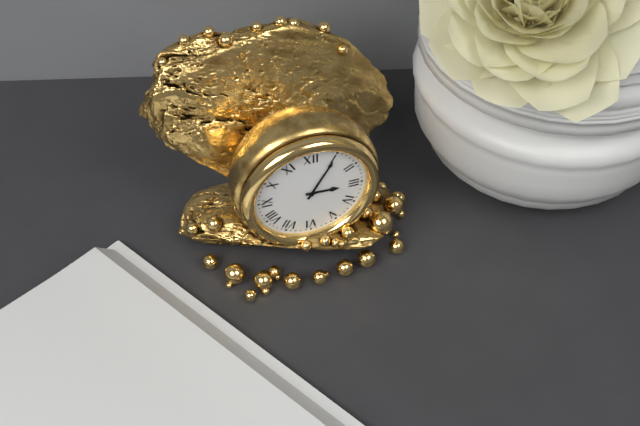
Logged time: **3:05**
